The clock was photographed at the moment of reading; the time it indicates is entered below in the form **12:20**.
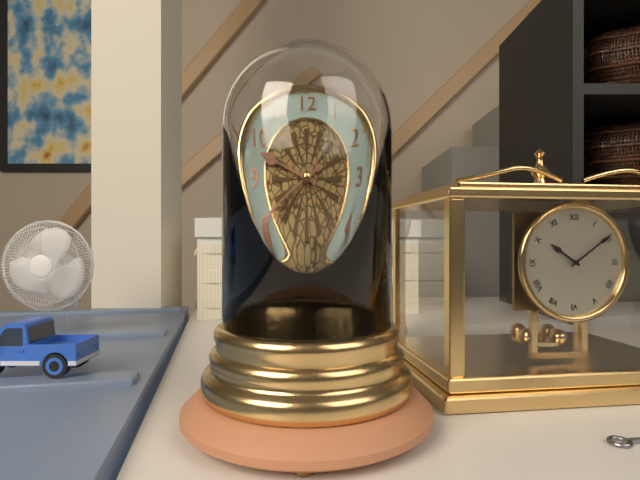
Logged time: **9:40**
